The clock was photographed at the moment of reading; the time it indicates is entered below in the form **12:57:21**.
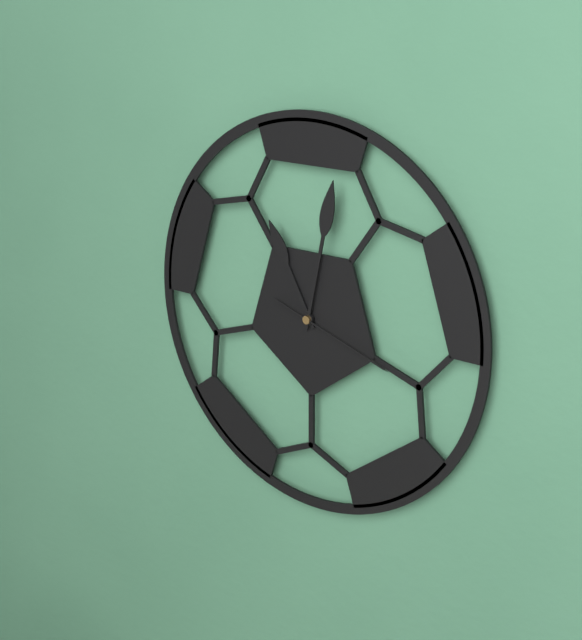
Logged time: **11:02:18**
